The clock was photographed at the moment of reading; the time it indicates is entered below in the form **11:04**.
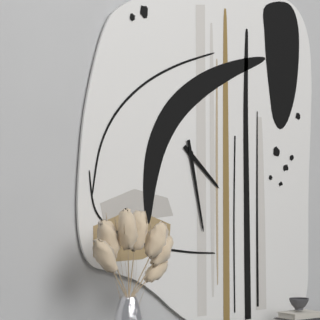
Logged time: **4:28**
